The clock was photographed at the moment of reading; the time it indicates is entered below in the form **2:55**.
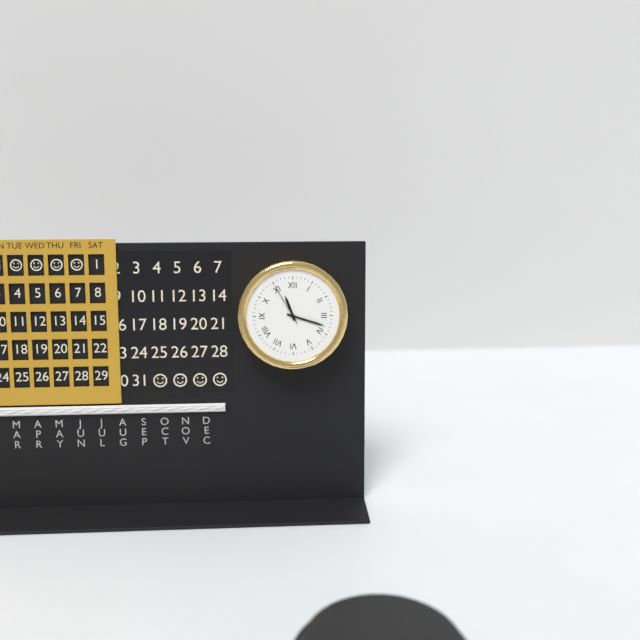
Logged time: **11:18**
